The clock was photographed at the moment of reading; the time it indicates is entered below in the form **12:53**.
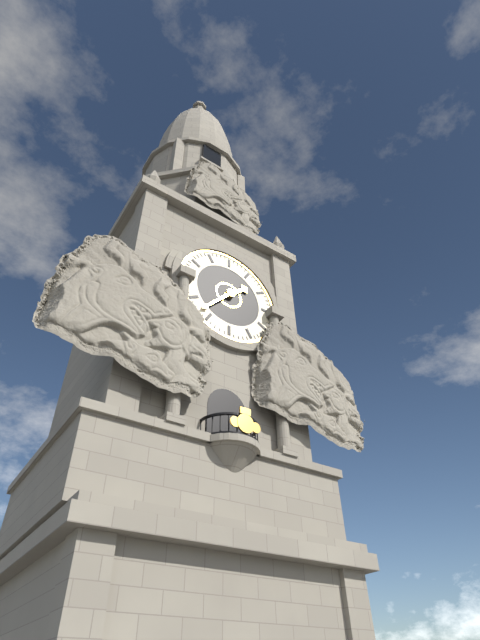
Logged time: **1:37**
